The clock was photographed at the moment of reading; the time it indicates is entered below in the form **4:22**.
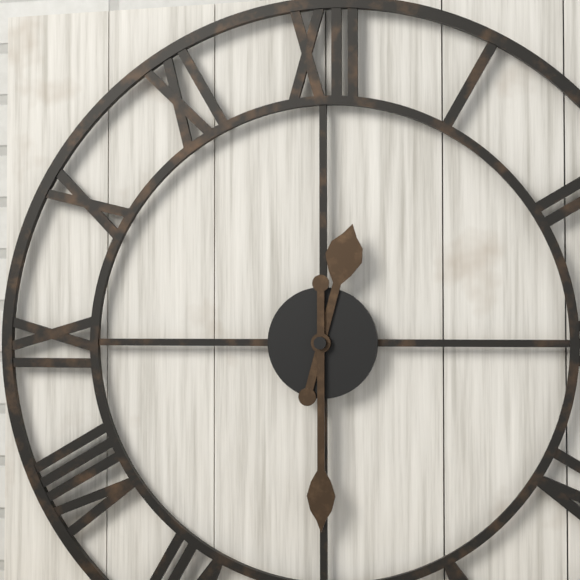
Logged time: **12:30**
